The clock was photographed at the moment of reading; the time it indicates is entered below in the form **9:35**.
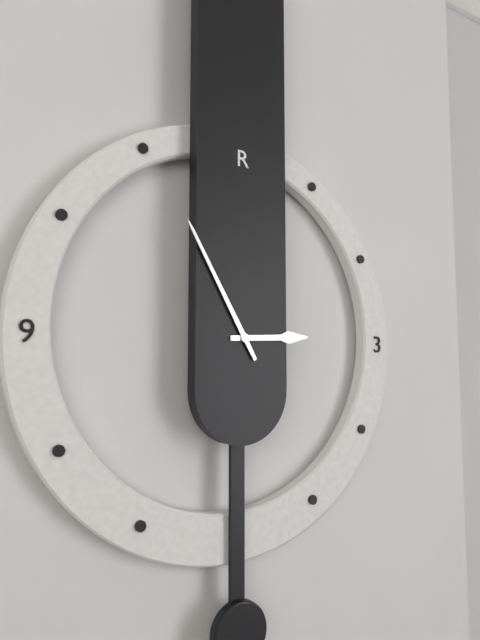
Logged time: **2:55**
